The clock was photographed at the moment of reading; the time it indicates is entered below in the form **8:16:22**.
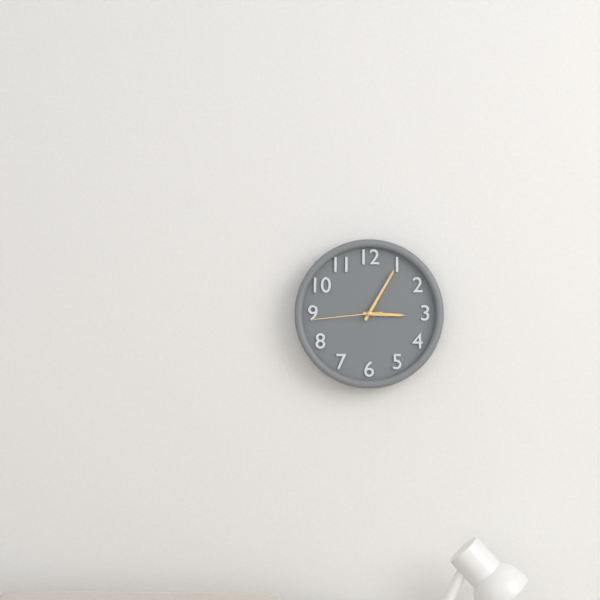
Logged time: **3:05:44**
